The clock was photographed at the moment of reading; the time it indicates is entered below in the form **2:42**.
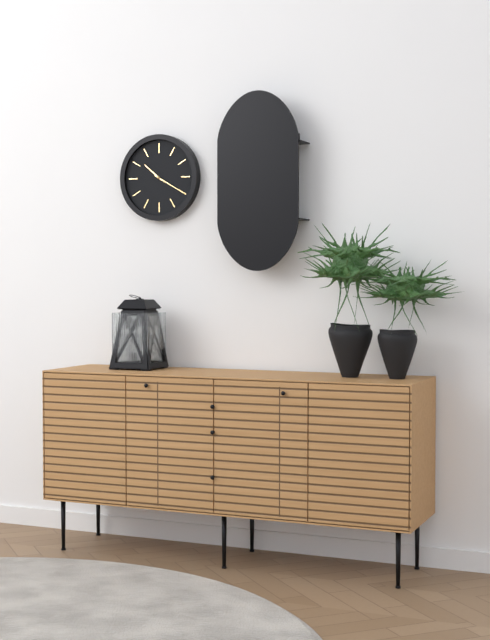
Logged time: **10:20**
